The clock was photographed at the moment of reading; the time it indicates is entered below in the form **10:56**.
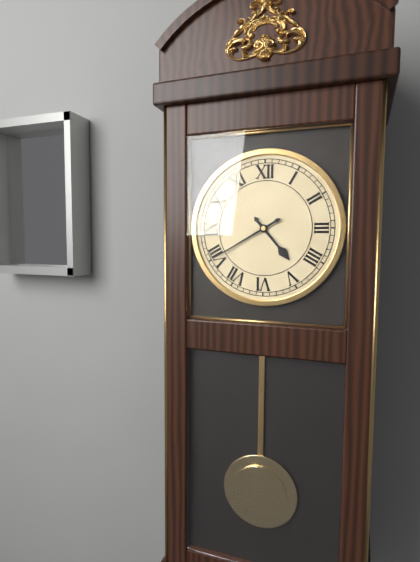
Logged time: **4:40**
